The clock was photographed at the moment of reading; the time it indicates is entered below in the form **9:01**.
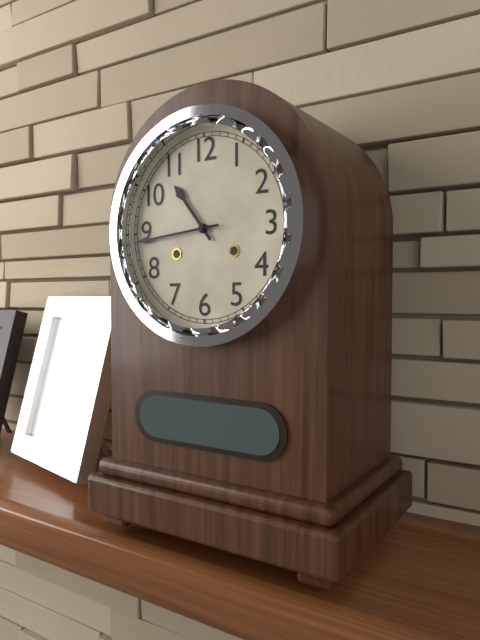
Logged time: **10:44**
